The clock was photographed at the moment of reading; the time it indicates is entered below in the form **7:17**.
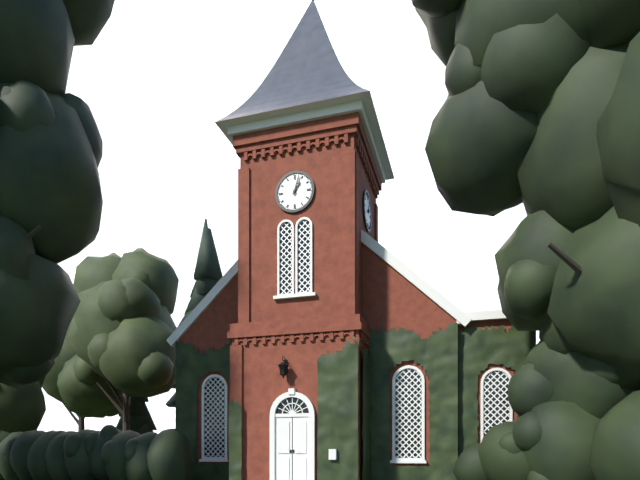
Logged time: **1:03**
